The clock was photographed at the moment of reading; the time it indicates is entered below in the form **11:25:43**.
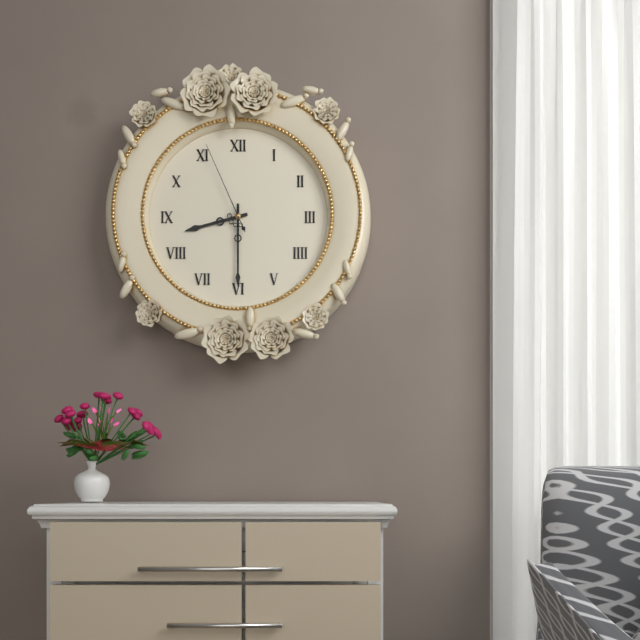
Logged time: **8:30:56**
